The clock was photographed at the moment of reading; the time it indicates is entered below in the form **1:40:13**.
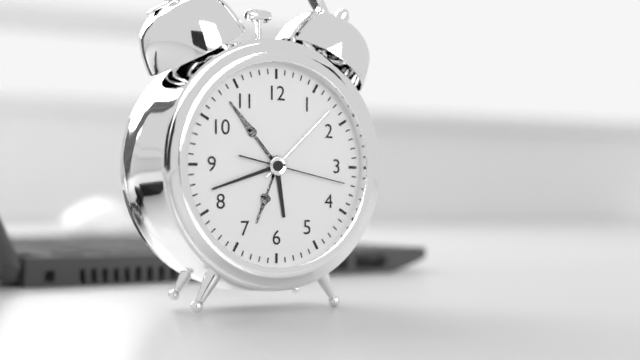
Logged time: **5:42:17**
